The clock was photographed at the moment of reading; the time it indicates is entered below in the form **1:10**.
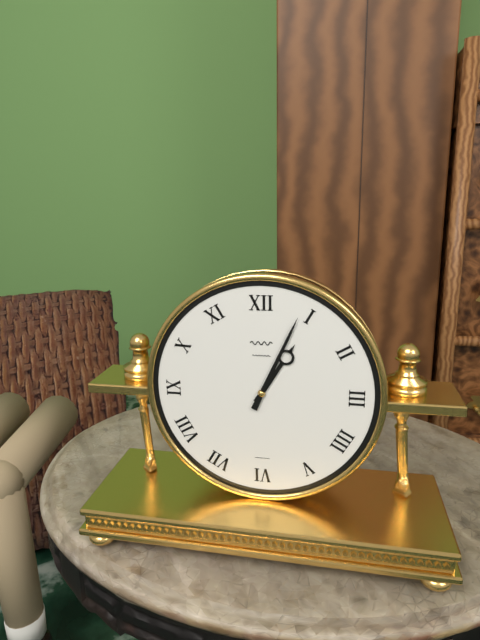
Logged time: **1:04**
